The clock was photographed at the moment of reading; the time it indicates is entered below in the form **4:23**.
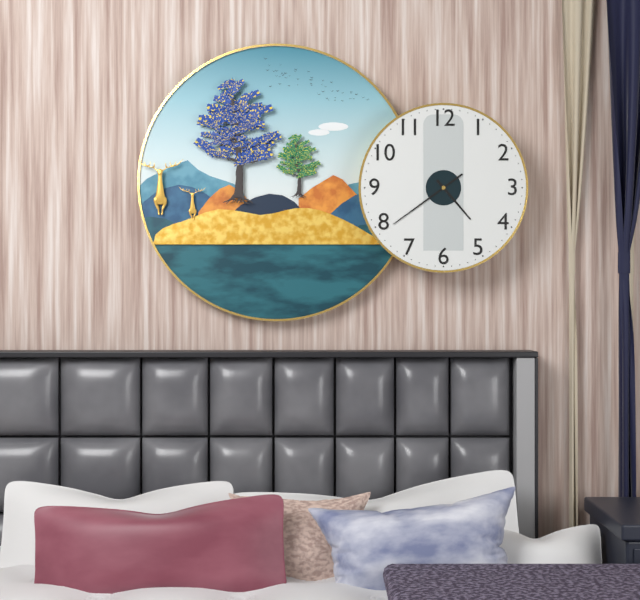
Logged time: **4:39**
